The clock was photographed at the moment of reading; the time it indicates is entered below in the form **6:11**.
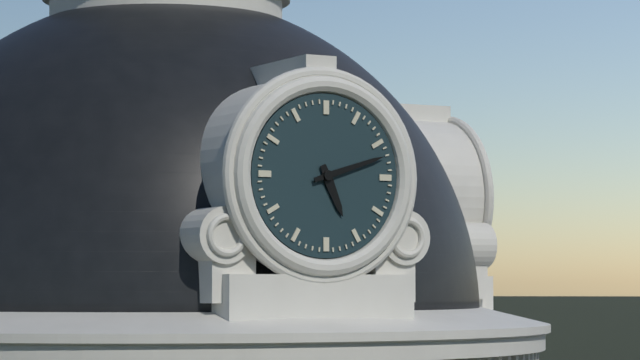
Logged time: **5:12**
